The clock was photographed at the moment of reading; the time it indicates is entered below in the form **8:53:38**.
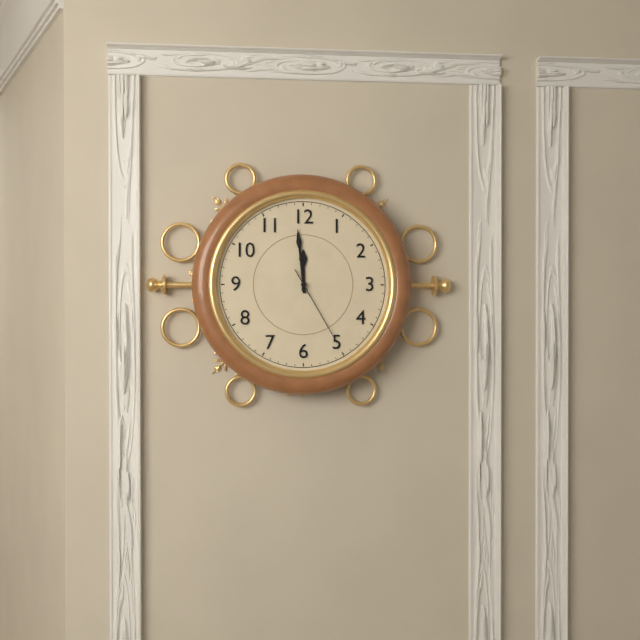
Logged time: **11:59:25**
